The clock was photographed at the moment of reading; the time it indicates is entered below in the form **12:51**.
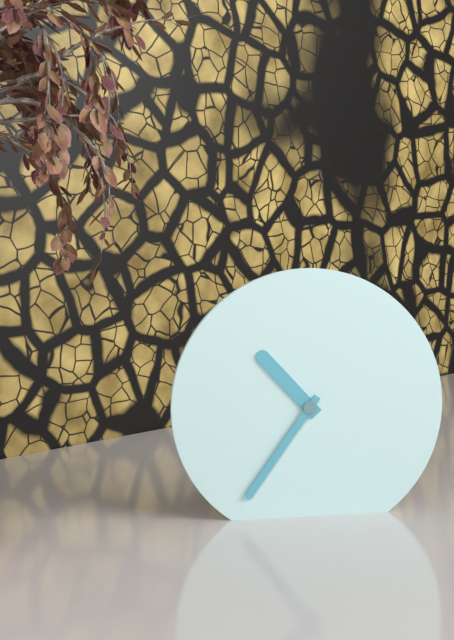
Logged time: **10:36**
